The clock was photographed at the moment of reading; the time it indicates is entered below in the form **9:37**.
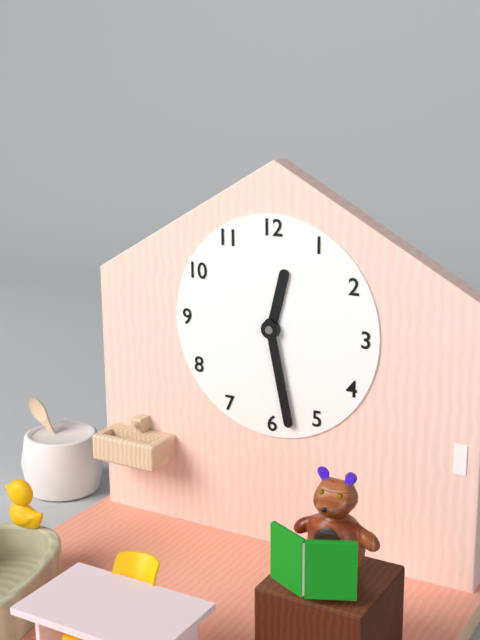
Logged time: **12:28**
